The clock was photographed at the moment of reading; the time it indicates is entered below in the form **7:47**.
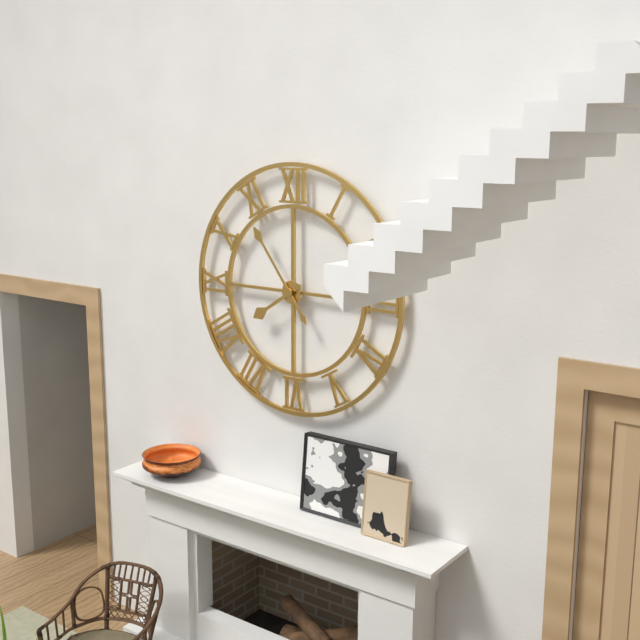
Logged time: **7:54**
